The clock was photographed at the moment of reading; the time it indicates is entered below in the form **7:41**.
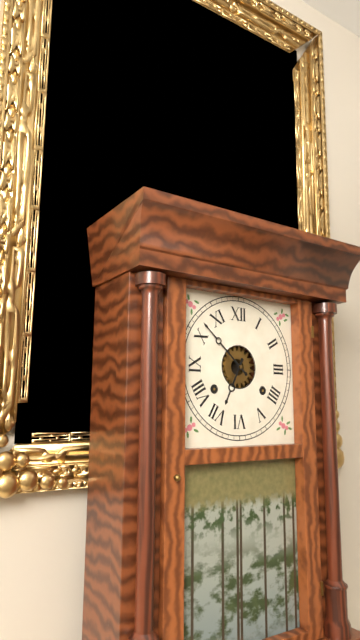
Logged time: **6:52**
